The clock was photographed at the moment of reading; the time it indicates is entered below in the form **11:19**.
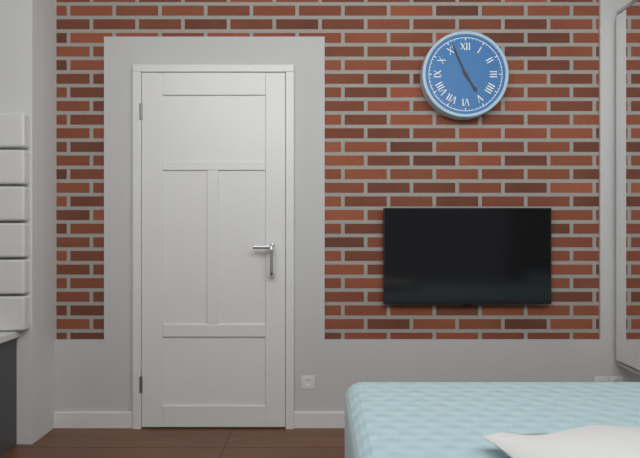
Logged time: **4:56**
